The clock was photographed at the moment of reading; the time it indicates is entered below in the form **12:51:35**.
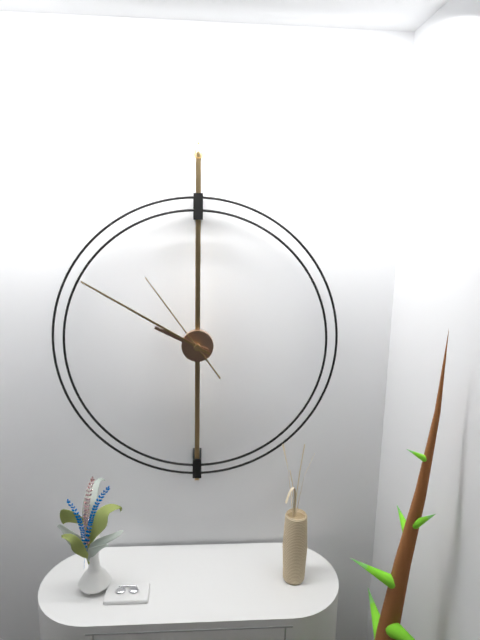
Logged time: **9:50:54**
